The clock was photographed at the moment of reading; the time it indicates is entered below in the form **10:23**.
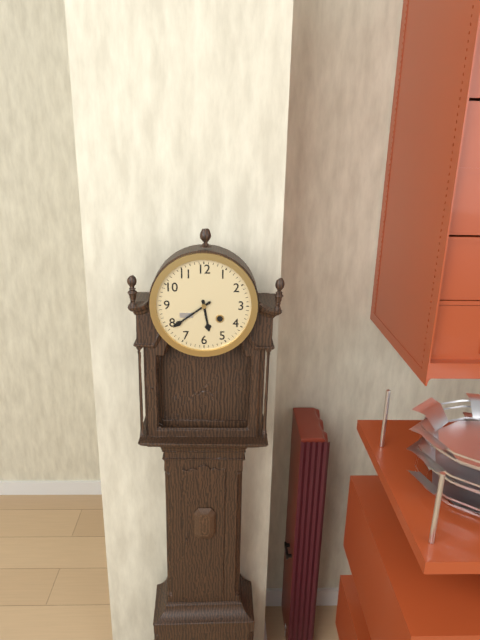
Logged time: **5:39**
